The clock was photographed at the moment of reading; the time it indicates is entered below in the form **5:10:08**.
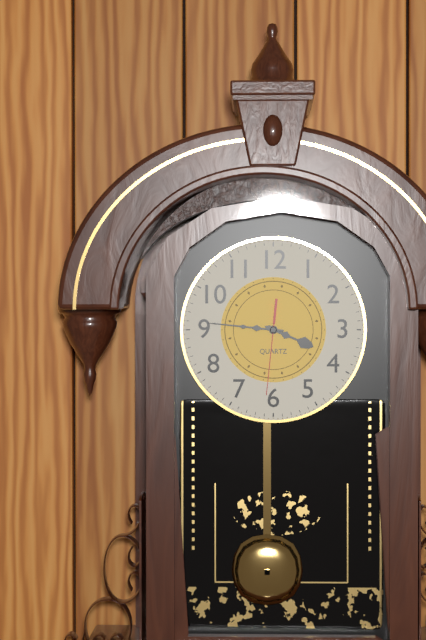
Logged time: **3:46:31**
